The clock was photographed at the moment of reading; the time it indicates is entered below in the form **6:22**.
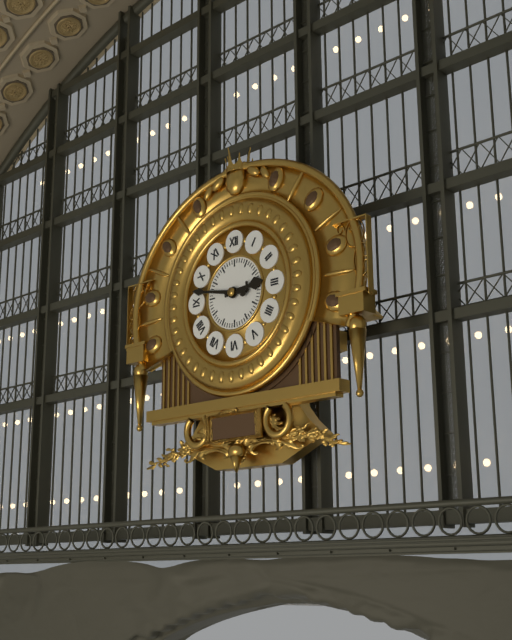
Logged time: **2:47**
